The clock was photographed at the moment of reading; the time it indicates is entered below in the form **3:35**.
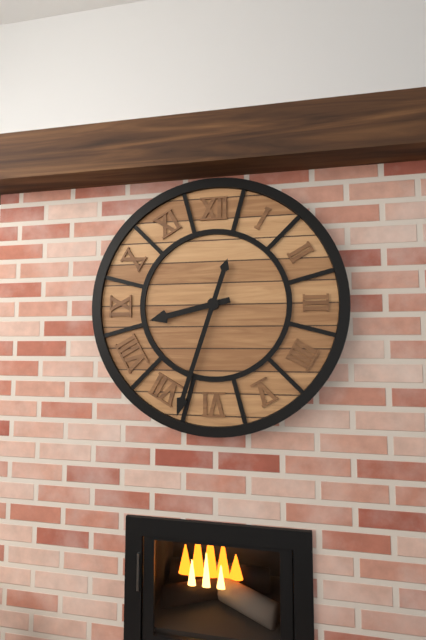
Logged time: **8:33**
